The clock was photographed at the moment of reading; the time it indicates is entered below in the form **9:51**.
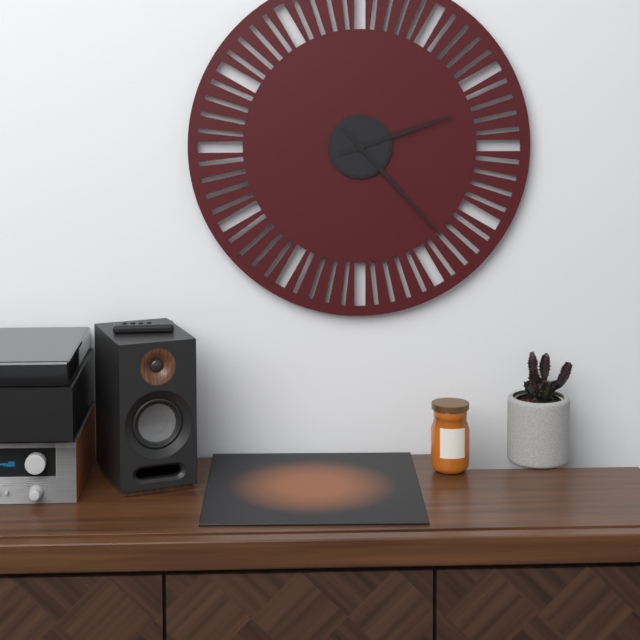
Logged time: **2:23**
